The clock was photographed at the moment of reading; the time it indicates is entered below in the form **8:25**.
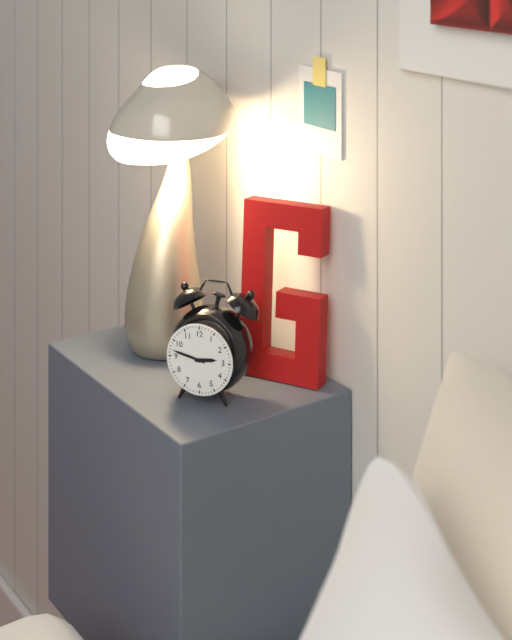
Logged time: **2:47**
